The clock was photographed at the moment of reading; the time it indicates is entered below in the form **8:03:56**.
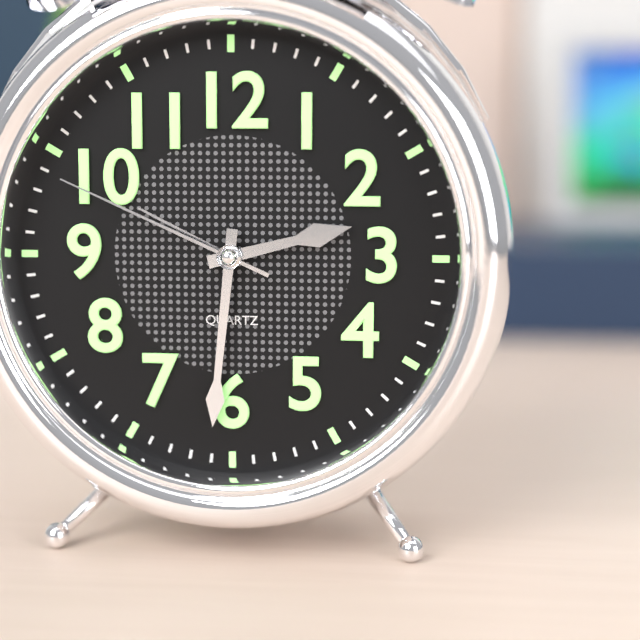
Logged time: **2:31:49**
